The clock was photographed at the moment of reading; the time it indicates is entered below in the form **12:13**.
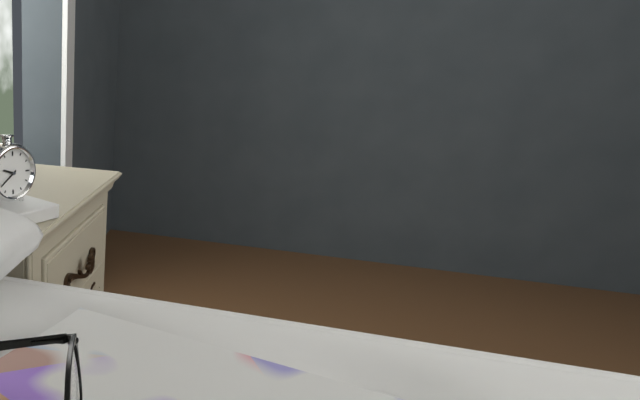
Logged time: **9:39**
